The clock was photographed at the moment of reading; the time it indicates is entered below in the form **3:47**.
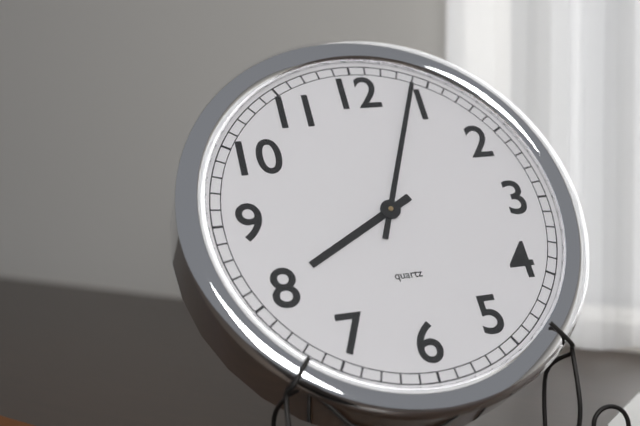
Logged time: **8:04**
